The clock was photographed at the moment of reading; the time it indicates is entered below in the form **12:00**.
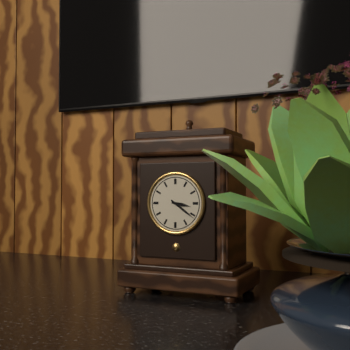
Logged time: **3:21**
